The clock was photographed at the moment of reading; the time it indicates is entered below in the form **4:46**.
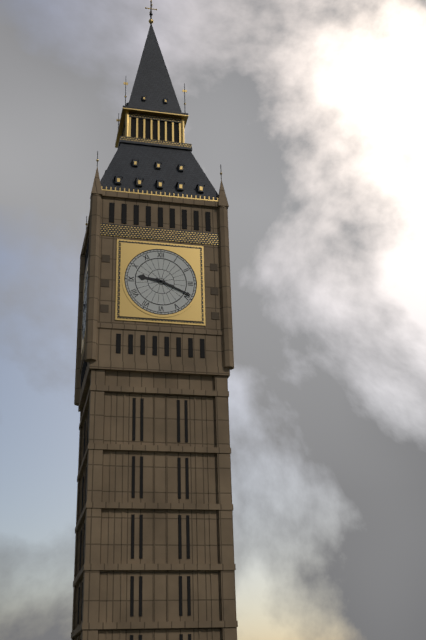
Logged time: **9:19**
